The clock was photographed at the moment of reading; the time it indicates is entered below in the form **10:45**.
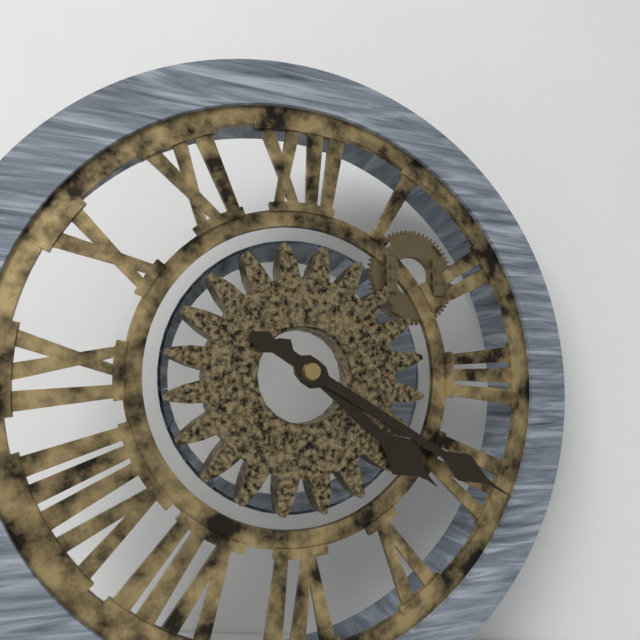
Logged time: **4:20**
